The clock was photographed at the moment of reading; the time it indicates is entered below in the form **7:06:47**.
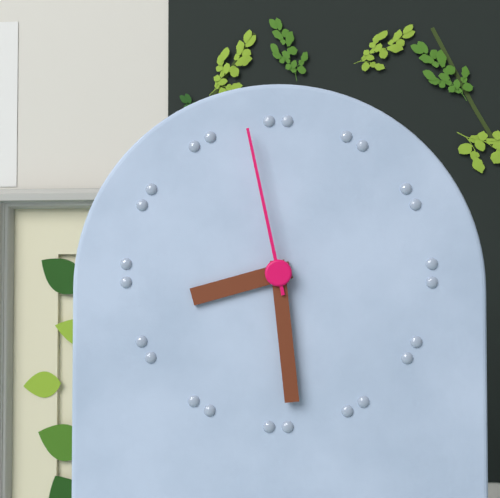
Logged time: **8:29:58**
